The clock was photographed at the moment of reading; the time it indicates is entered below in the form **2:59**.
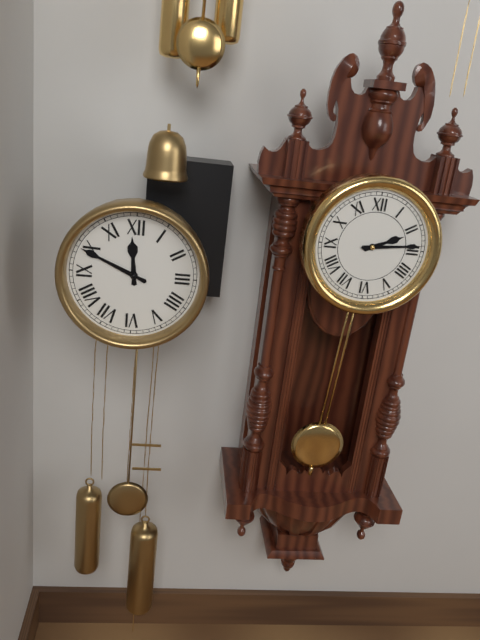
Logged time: **11:49**
